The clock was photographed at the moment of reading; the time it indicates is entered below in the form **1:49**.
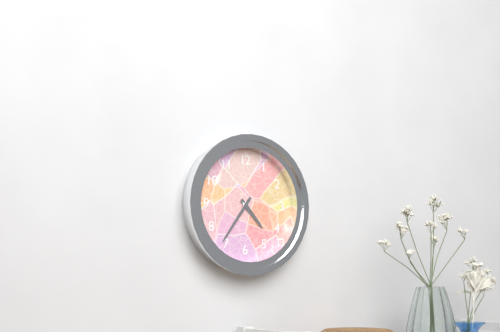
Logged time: **4:36**
